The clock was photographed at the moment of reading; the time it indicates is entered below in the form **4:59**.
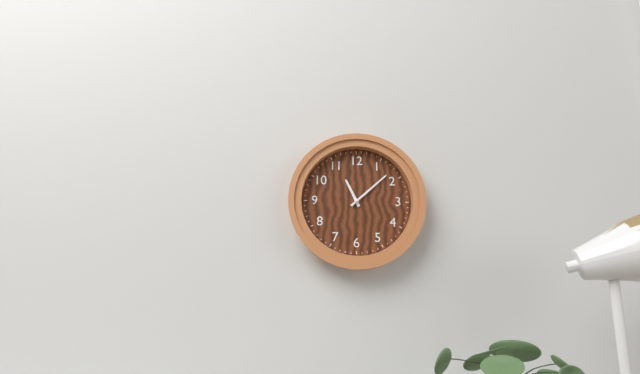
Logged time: **11:08**
